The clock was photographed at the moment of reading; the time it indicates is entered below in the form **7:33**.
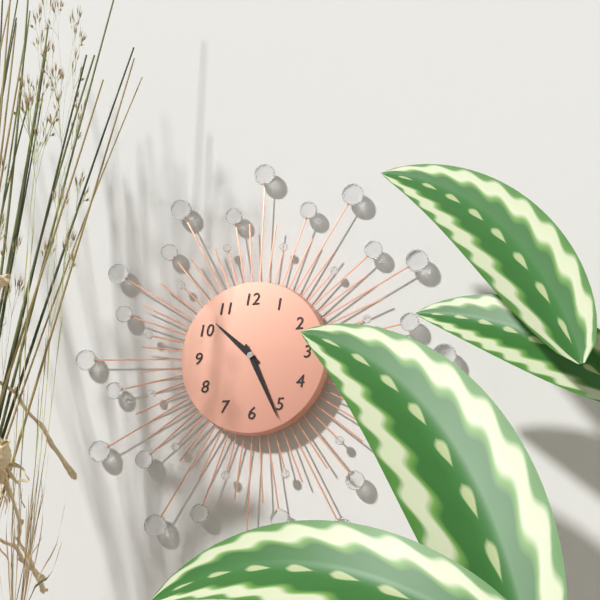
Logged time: **10:26**
